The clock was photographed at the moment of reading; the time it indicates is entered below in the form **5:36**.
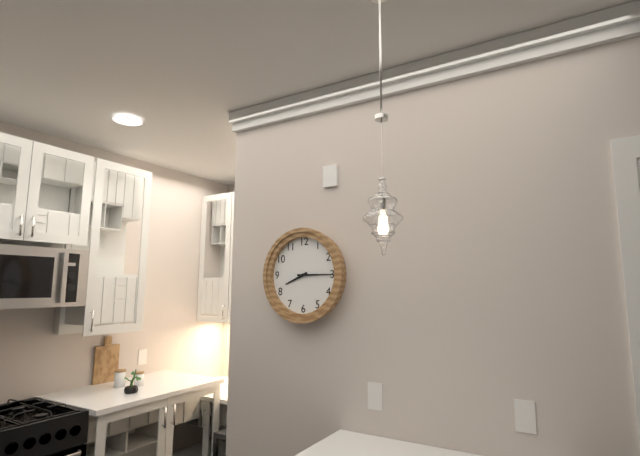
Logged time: **8:15**
